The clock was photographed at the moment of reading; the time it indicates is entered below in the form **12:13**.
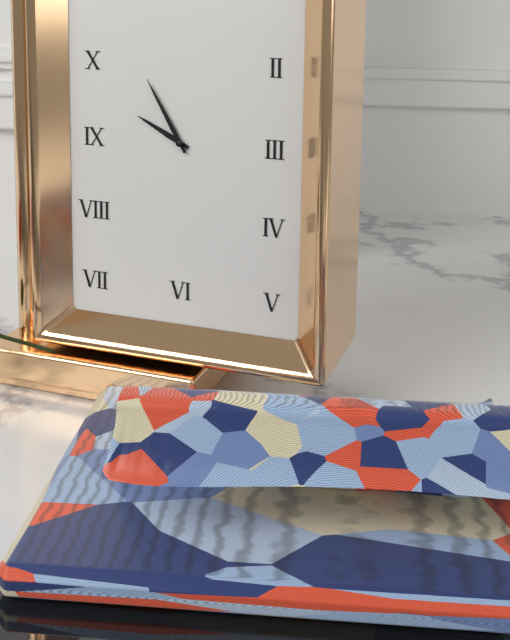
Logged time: **9:55**
